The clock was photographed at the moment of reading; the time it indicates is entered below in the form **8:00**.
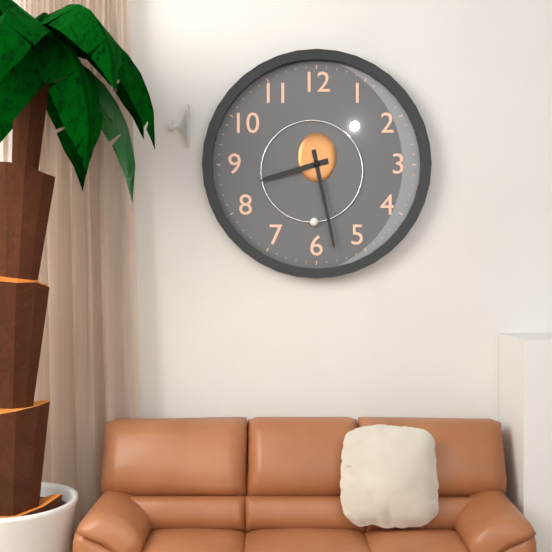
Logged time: **8:28**
